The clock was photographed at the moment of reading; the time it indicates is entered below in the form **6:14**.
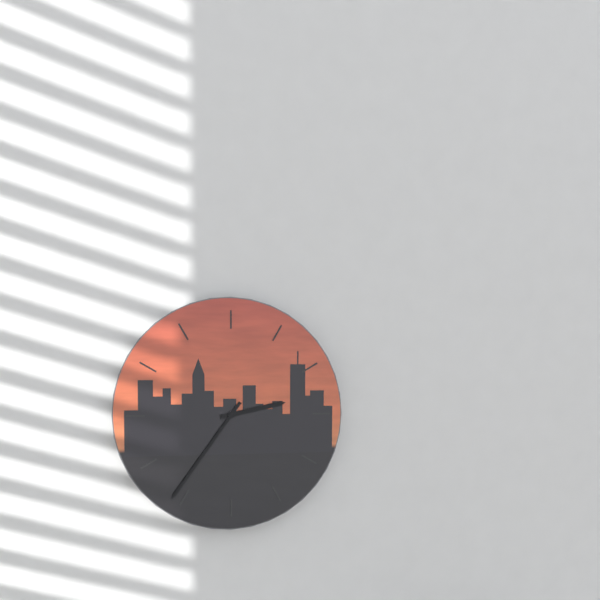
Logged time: **2:36**
